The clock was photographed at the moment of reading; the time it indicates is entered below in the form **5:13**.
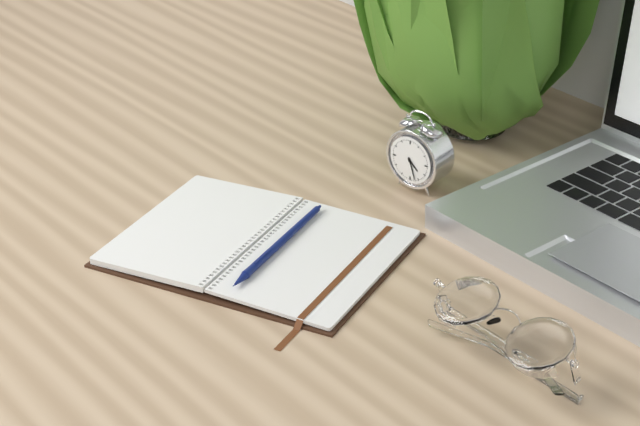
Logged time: **4:27**
